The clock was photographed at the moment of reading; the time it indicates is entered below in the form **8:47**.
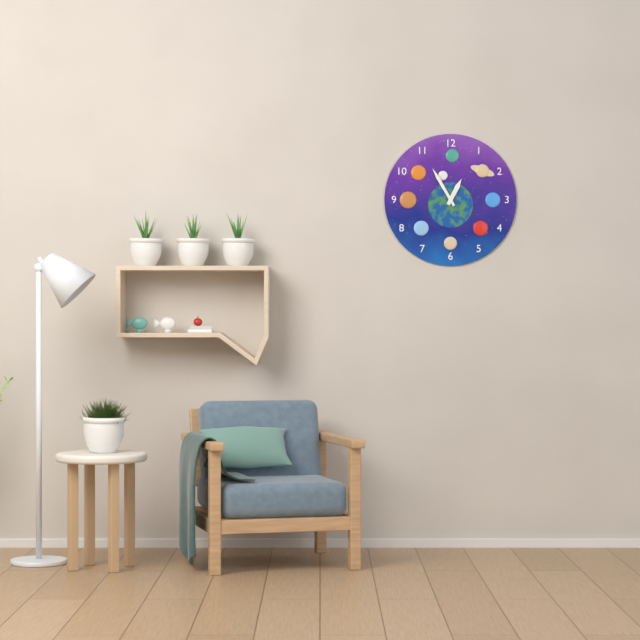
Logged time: **12:55**
